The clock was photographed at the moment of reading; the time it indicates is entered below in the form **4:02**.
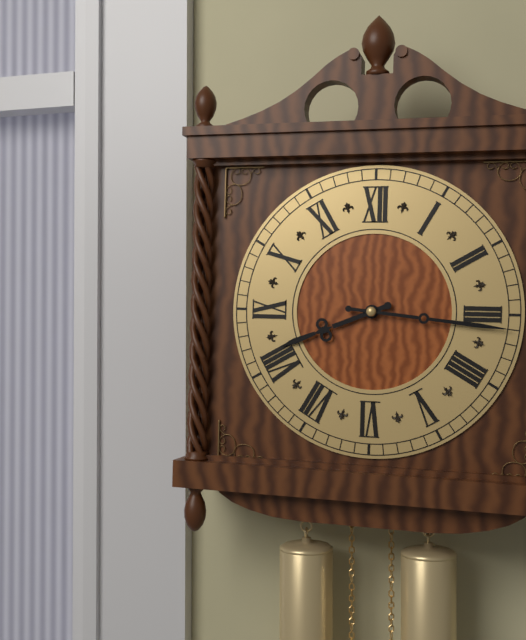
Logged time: **8:16**
